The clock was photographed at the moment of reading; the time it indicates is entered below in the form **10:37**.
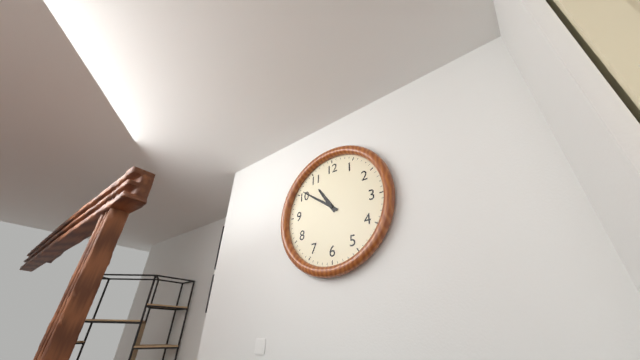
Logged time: **10:51**
